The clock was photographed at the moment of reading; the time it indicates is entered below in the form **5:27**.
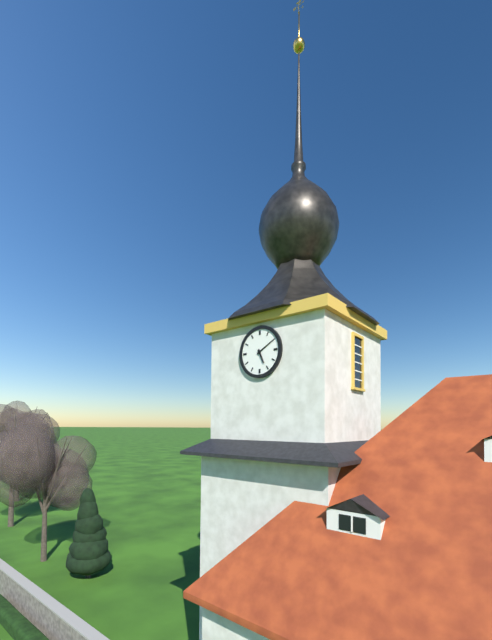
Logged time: **5:10**
